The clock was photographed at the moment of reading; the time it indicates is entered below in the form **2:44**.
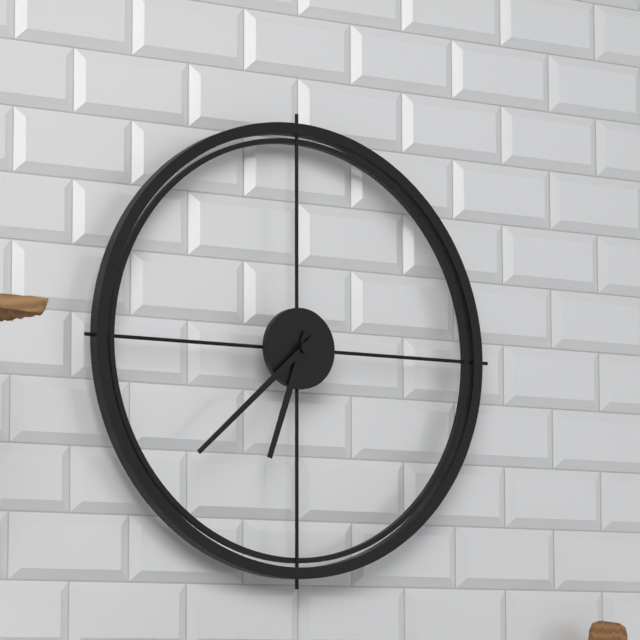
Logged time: **6:38**
